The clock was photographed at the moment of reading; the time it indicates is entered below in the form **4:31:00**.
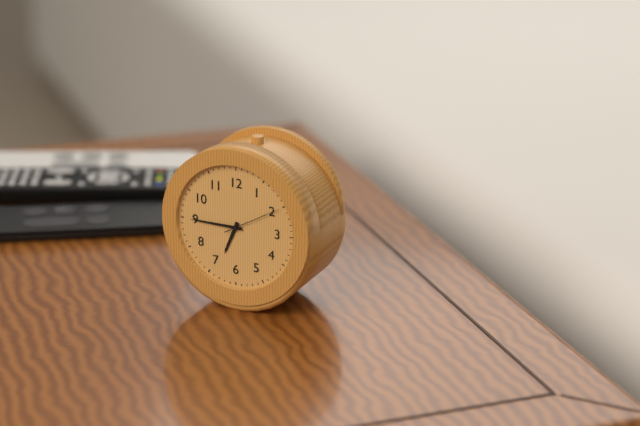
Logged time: **6:45:10**
